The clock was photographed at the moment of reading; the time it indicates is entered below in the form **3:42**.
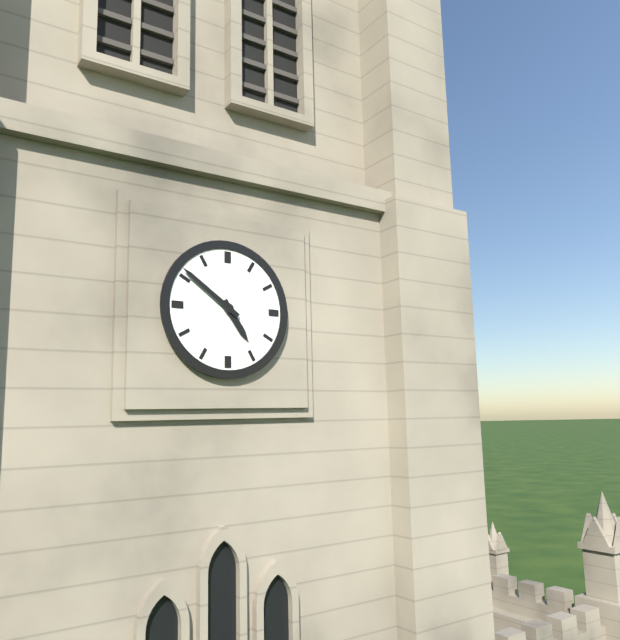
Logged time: **4:51**
